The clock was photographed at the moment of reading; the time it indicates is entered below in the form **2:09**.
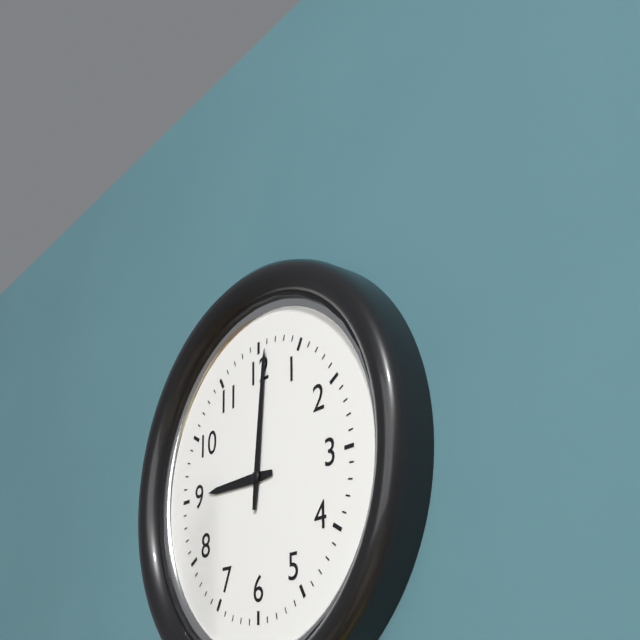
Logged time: **9:01**
